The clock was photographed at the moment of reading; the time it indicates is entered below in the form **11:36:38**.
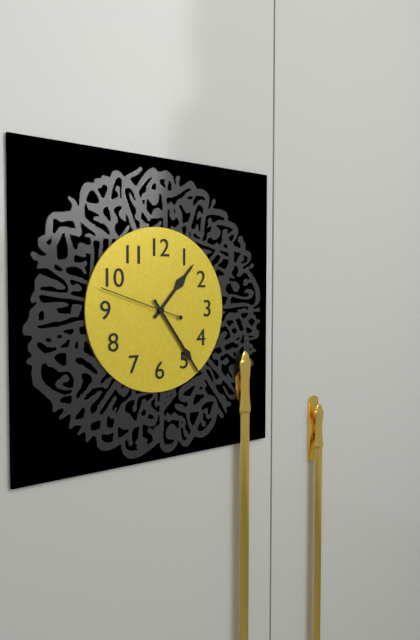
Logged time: **1:24:48**
